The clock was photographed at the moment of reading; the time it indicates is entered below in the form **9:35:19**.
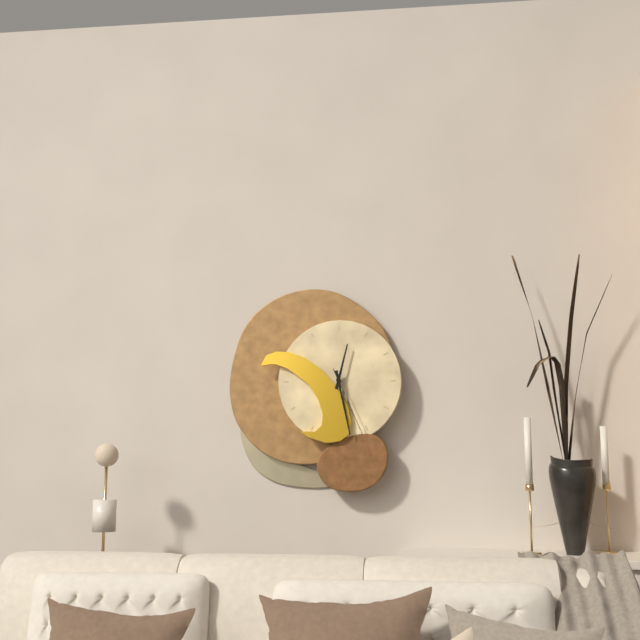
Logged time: **12:28:26**
